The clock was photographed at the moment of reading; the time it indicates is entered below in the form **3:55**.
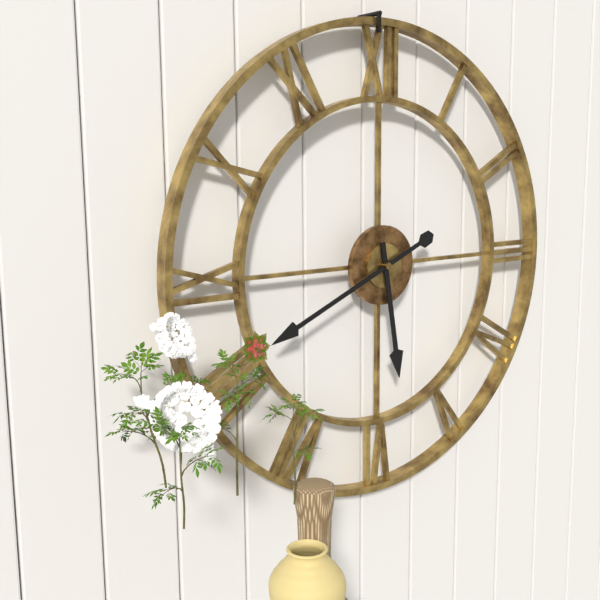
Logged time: **5:41**
